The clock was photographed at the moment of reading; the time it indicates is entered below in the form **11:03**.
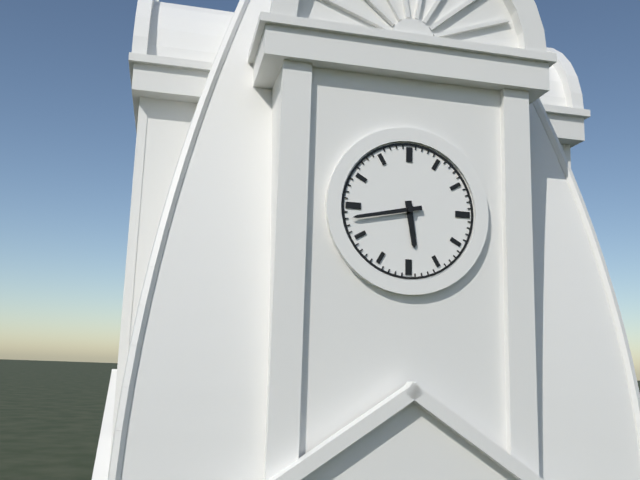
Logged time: **5:43**
